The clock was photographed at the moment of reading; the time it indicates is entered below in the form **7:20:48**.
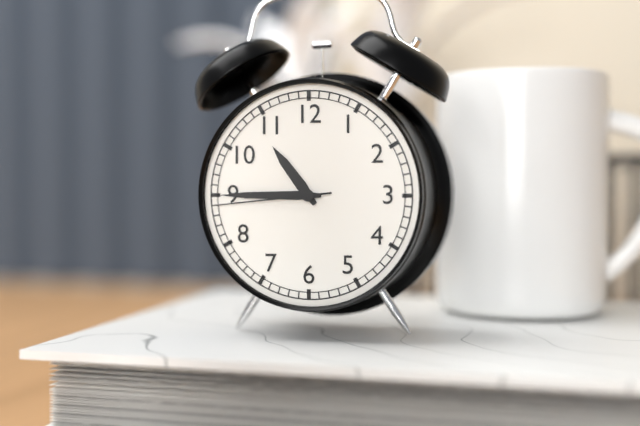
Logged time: **10:45:44**
